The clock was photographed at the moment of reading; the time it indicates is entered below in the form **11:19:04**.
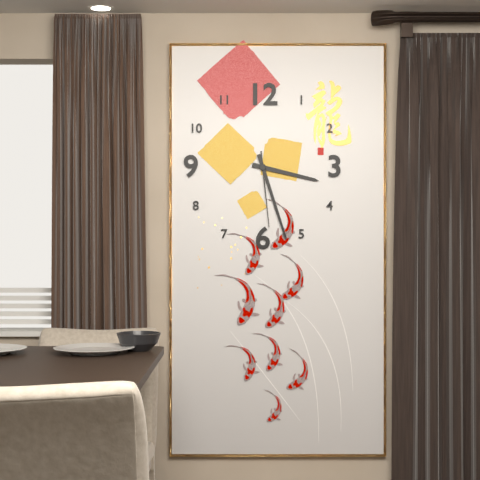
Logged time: **3:27:29**
